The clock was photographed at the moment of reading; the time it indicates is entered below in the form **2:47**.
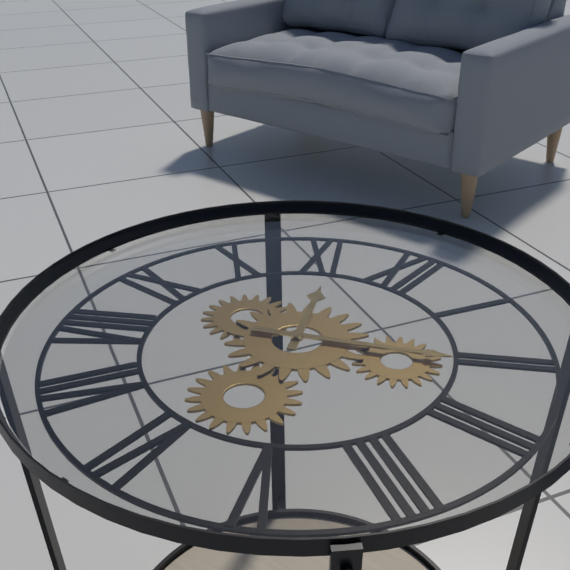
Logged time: **11:11**
